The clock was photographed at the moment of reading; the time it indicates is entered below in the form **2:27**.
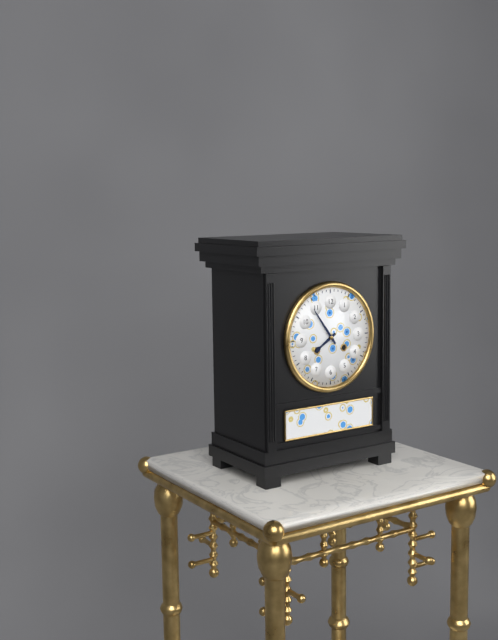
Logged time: **7:54**
